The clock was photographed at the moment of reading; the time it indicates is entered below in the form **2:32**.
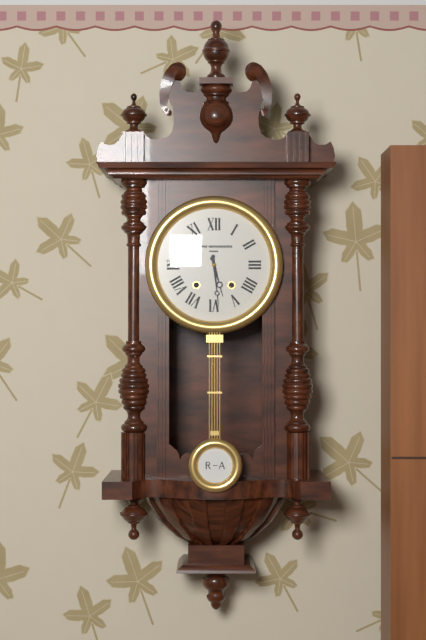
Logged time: **5:29**
